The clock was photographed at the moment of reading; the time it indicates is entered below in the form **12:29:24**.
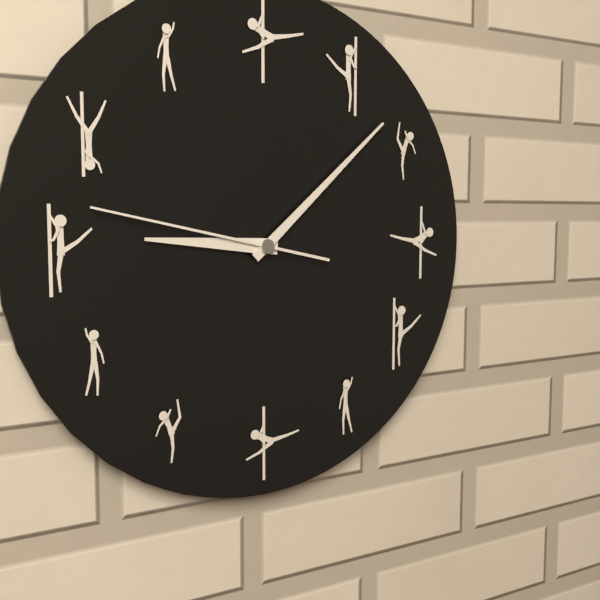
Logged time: **9:08:47**
